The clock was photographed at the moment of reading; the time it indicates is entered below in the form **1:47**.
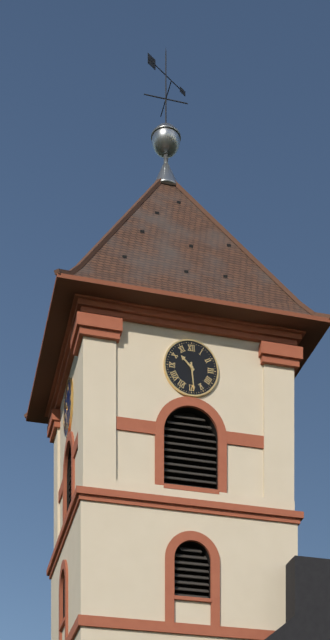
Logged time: **10:29**
